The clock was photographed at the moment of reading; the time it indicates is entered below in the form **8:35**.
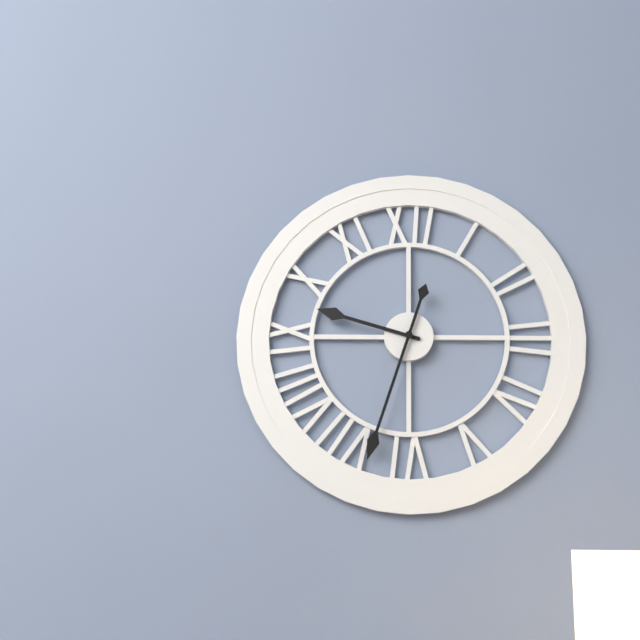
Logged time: **9:33**
